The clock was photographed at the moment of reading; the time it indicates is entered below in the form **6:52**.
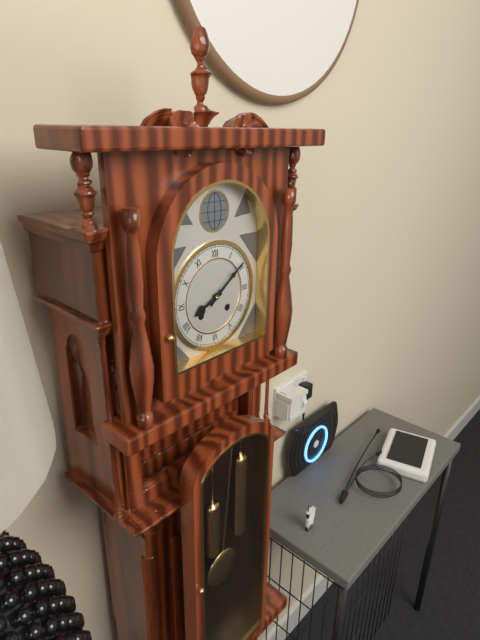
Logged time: **8:09**
